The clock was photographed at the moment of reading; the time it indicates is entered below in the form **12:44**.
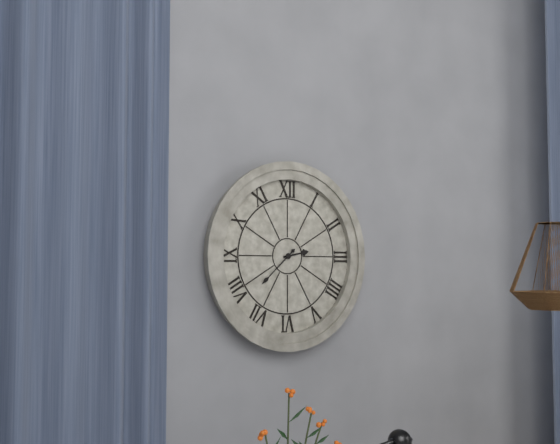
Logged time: **2:38**
